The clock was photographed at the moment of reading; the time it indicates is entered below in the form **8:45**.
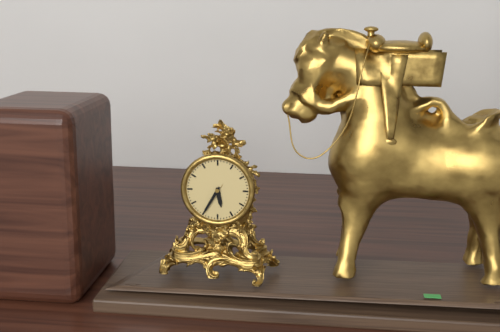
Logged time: **5:35**
